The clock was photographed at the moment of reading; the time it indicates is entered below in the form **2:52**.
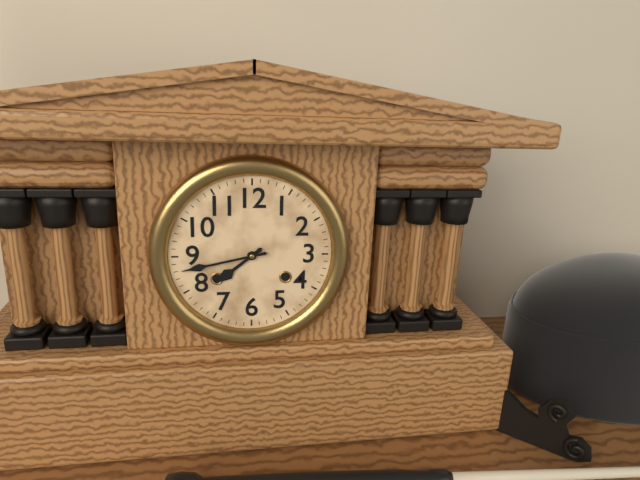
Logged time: **7:43**
